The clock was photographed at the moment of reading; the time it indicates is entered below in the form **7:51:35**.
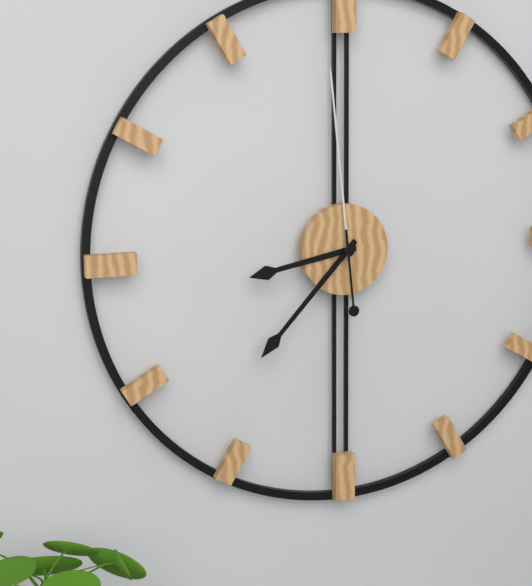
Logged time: **8:37:59**
